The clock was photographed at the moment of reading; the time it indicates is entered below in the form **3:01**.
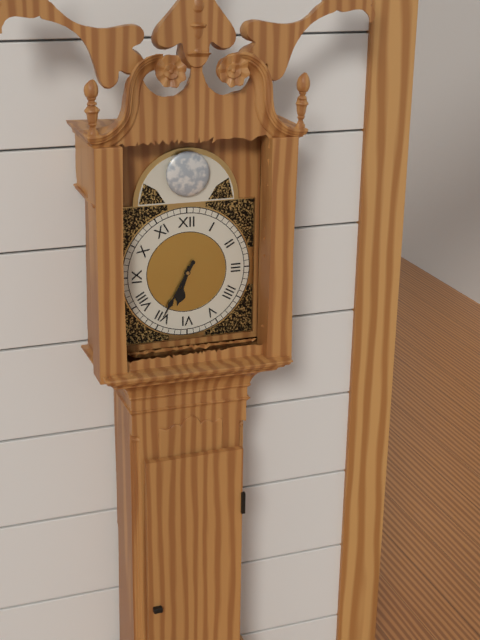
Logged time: **6:35**
